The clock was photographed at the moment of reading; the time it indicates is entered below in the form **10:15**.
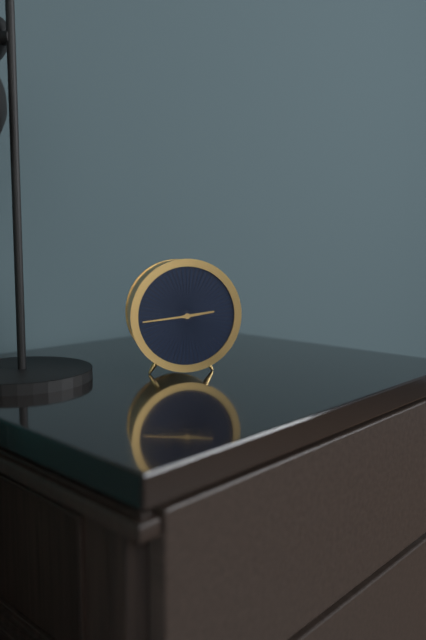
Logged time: **2:44**
